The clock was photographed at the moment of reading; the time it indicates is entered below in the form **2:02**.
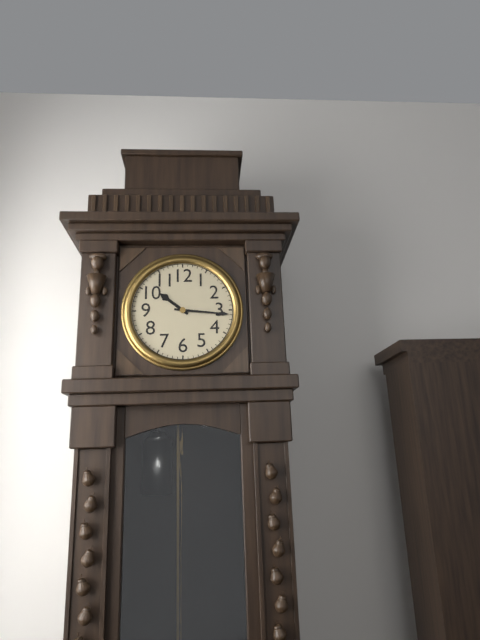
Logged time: **10:16**
